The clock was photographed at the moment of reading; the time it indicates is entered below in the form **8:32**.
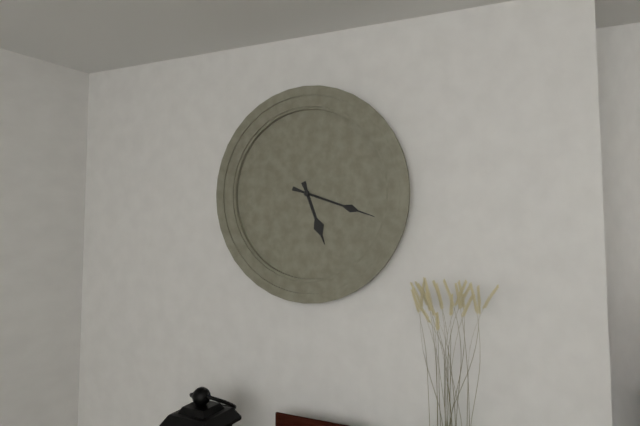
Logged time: **5:18**
